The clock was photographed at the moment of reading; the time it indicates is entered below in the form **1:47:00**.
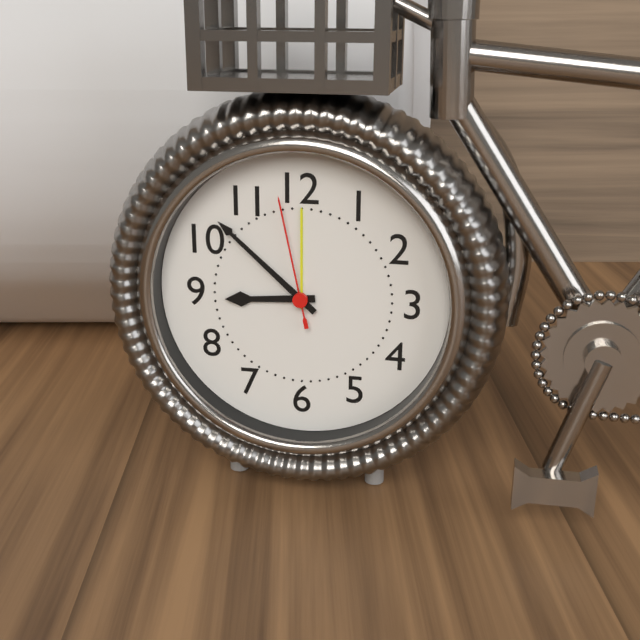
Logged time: **8:52:58**
